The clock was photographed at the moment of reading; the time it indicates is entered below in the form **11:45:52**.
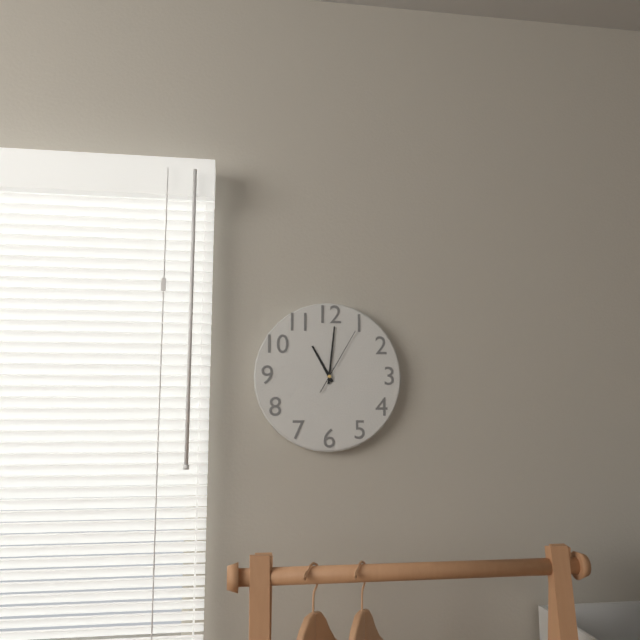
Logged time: **11:01:05**
